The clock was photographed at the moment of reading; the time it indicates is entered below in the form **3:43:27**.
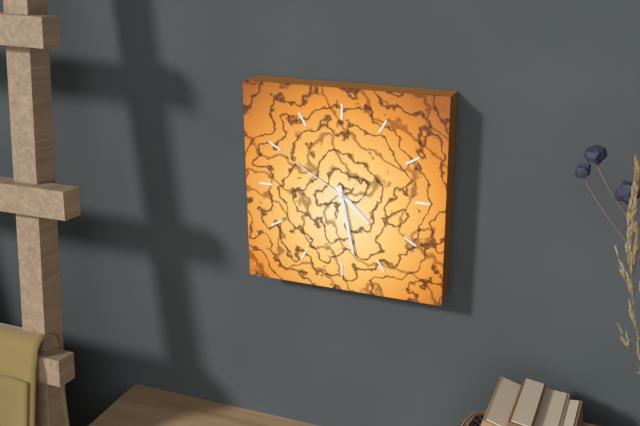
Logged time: **4:28:50**
